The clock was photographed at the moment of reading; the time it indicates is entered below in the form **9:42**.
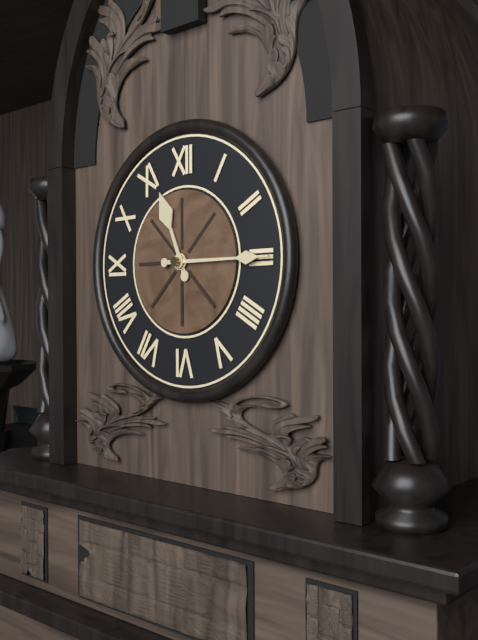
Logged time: **11:15**
